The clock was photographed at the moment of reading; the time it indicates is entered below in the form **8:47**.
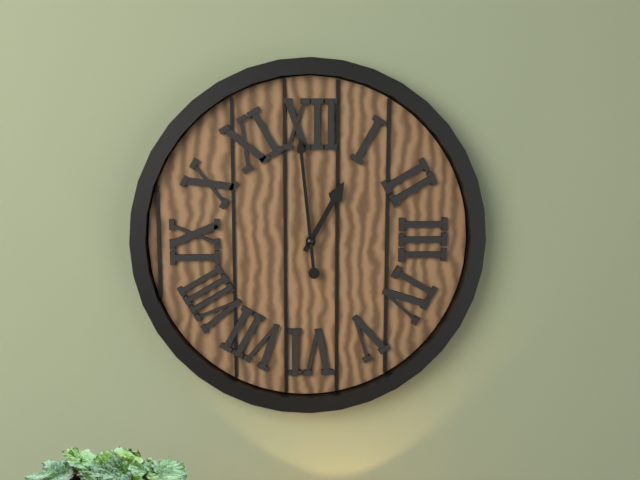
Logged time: **12:59**
